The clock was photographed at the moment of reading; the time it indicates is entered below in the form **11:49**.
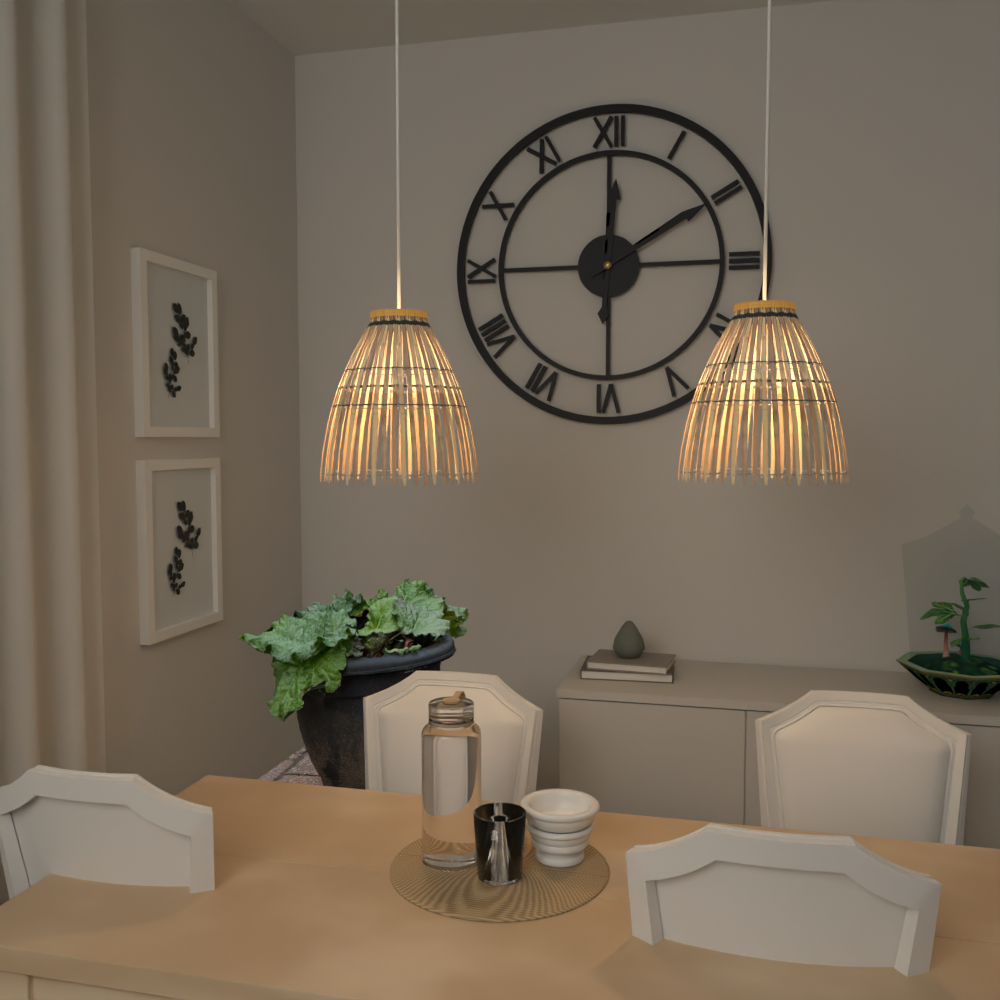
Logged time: **12:10**
